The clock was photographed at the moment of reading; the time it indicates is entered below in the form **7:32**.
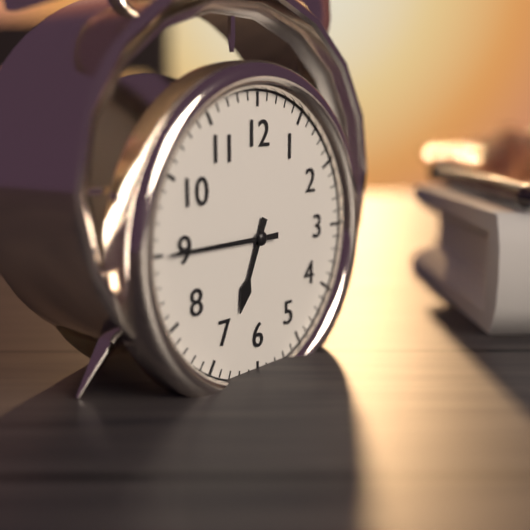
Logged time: **6:45**
